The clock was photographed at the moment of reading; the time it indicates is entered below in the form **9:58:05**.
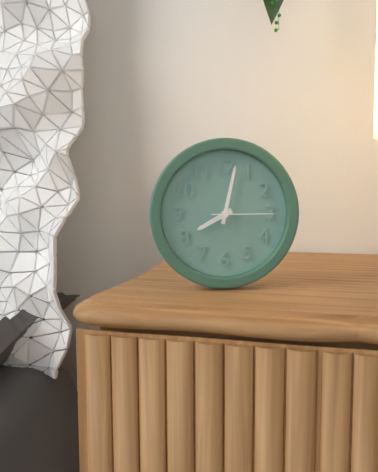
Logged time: **8:02:15**
